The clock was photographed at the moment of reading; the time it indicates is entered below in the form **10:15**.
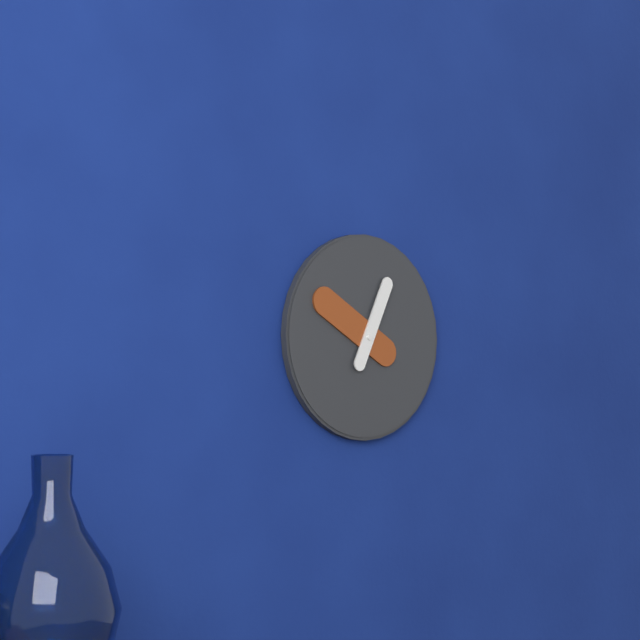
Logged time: **12:50**
